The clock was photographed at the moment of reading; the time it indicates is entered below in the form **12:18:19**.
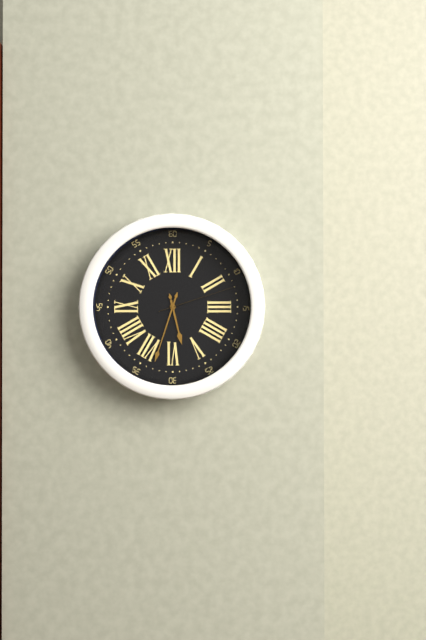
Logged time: **5:33:12**
